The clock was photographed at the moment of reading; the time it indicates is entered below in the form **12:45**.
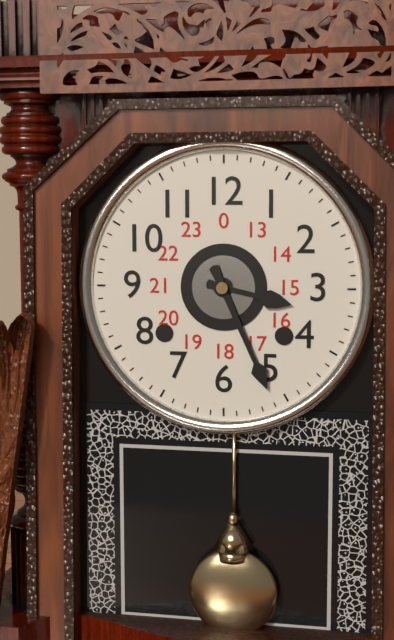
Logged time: **3:26**
